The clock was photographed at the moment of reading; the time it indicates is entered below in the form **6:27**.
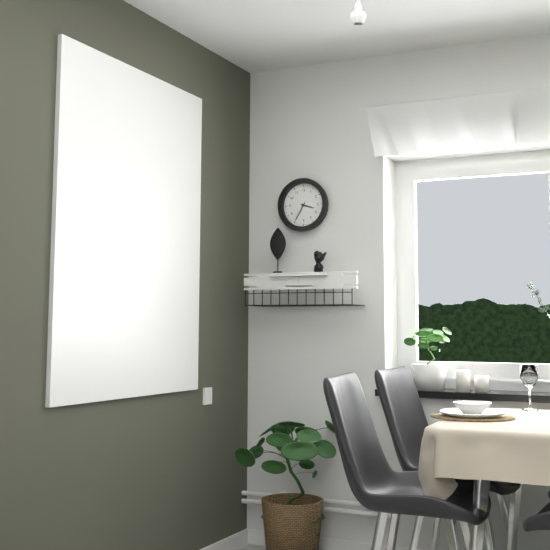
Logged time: **3:35**
